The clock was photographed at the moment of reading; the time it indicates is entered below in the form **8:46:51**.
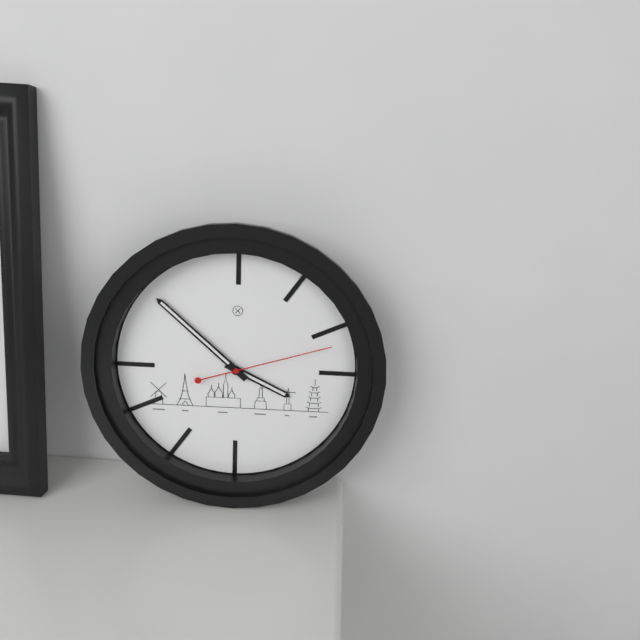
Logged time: **3:52:12**
